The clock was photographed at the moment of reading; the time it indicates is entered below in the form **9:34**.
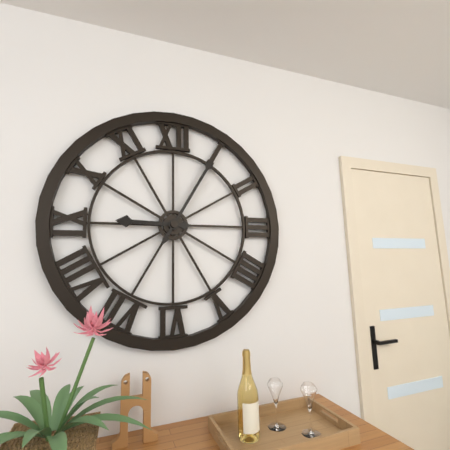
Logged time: **9:05**
